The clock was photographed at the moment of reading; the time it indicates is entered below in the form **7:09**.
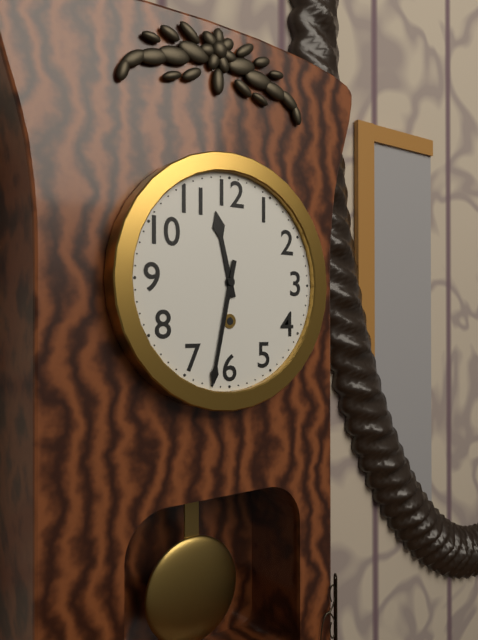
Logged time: **11:32**
